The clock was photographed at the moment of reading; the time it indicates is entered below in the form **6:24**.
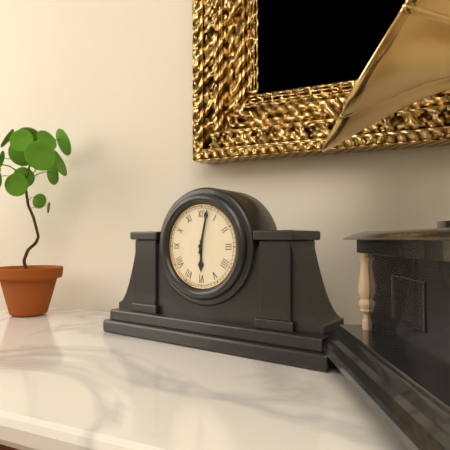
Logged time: **6:02**
